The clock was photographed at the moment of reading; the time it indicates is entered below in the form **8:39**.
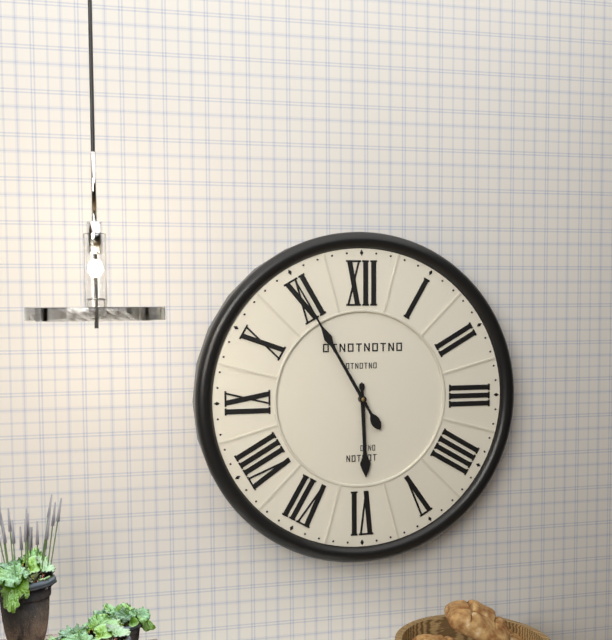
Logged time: **5:55**
